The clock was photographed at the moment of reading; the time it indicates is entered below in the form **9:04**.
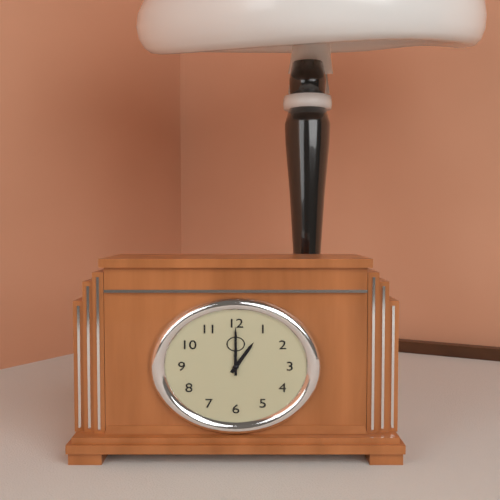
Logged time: **1:00**
